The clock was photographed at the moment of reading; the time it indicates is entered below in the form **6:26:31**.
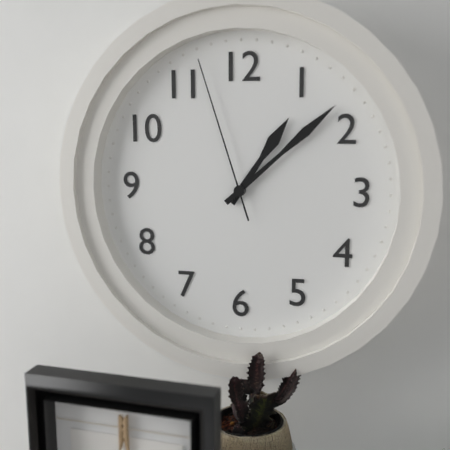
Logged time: **1:08:57**
